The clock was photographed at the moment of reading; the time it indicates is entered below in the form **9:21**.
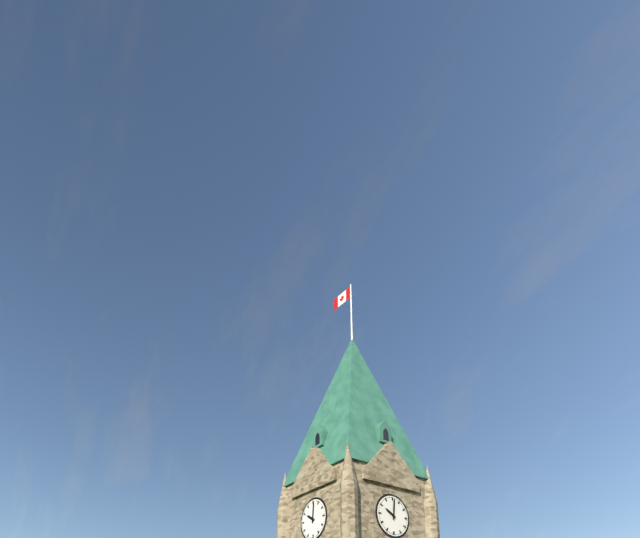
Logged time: **10:01**
